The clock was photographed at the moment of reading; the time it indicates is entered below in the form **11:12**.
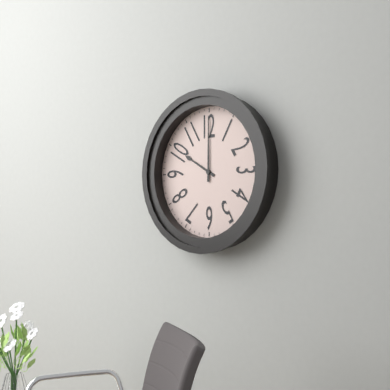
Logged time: **10:00**
